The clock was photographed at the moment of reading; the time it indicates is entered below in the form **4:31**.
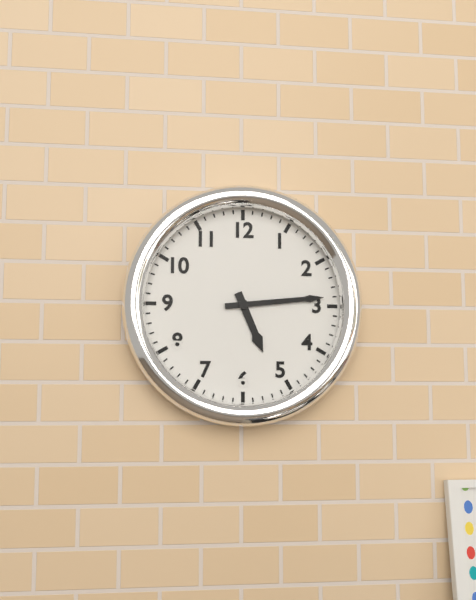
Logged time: **5:14**
